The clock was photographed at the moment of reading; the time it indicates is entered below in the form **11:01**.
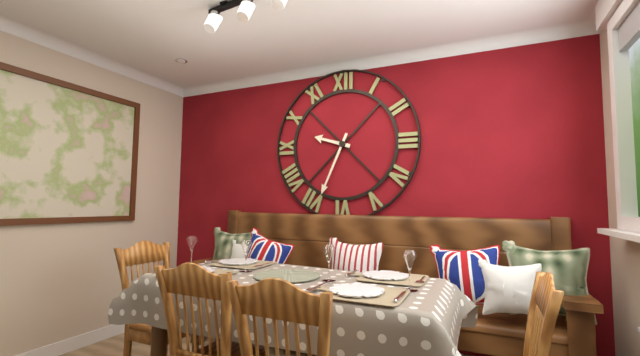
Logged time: **9:34**
